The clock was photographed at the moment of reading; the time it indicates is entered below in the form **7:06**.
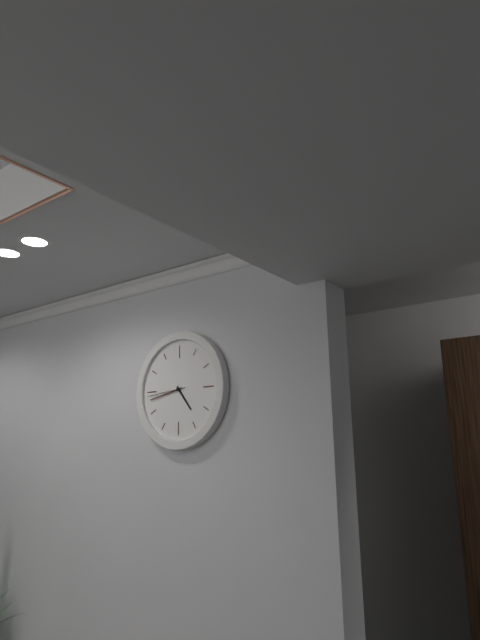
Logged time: **4:43**
